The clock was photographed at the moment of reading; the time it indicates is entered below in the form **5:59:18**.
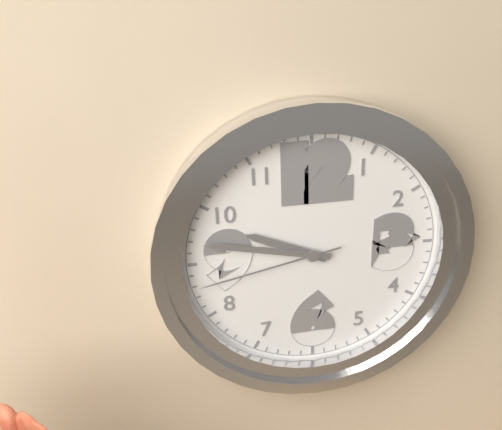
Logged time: **9:47:43**
